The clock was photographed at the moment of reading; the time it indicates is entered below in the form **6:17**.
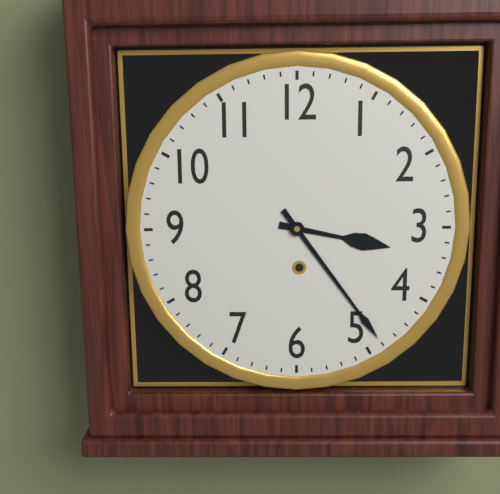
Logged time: **3:24**
